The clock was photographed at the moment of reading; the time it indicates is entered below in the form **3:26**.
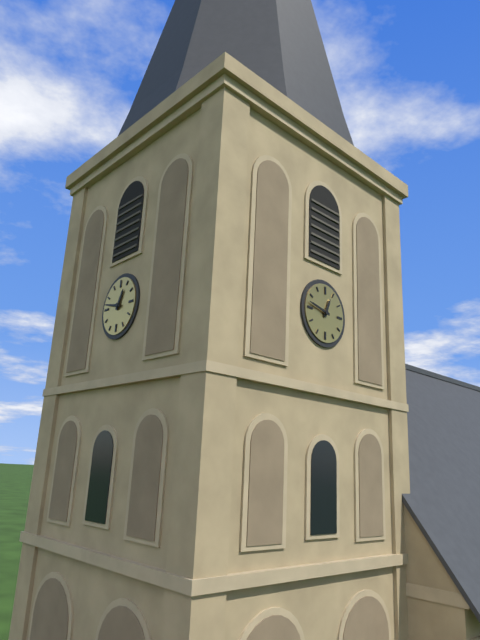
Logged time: **12:47**
